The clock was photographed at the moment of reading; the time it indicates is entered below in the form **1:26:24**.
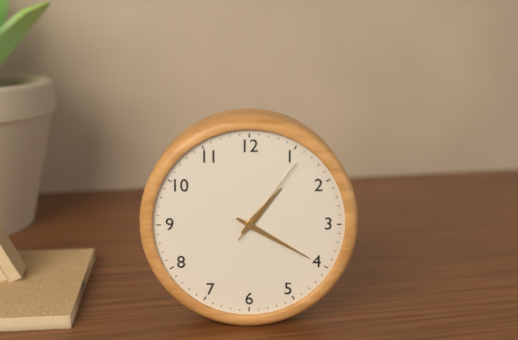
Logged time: **1:20:06**
